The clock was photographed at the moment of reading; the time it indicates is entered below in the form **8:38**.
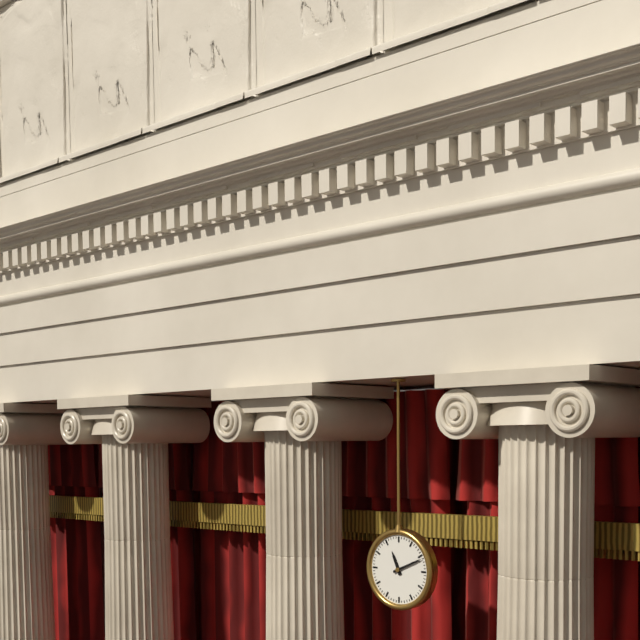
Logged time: **11:11**
